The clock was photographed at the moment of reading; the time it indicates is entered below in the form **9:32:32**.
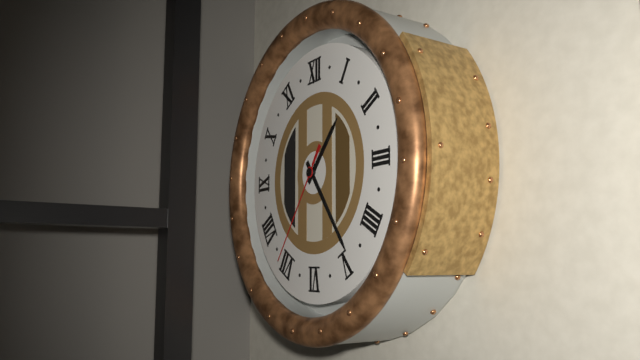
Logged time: **1:24:36**
